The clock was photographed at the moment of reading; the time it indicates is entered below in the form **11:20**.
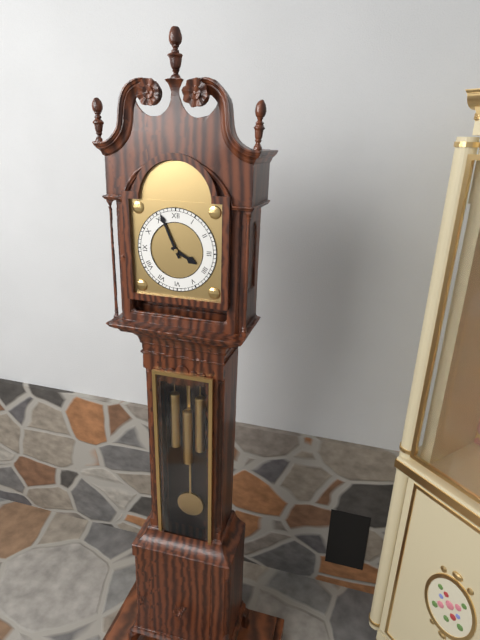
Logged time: **3:56**
